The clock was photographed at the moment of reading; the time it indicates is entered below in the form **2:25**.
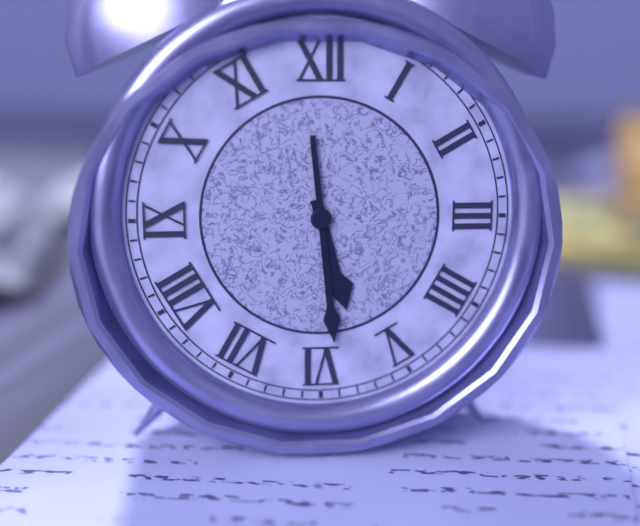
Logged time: **5:29**
